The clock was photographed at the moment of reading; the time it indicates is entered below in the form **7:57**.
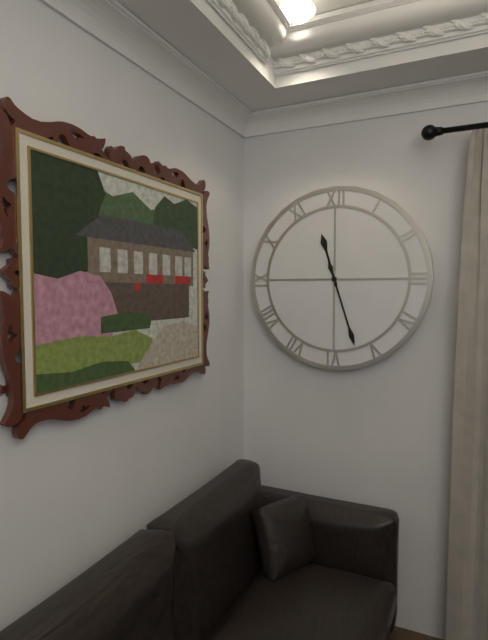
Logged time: **11:27**
